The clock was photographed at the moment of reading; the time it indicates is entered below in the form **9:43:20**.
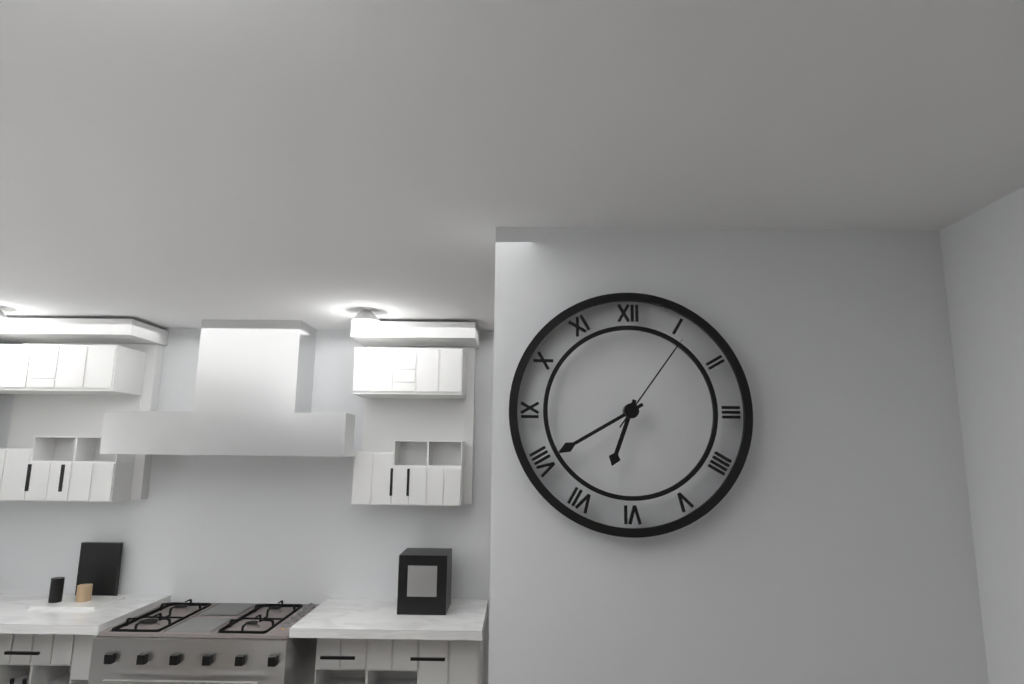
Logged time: **6:40:06**
